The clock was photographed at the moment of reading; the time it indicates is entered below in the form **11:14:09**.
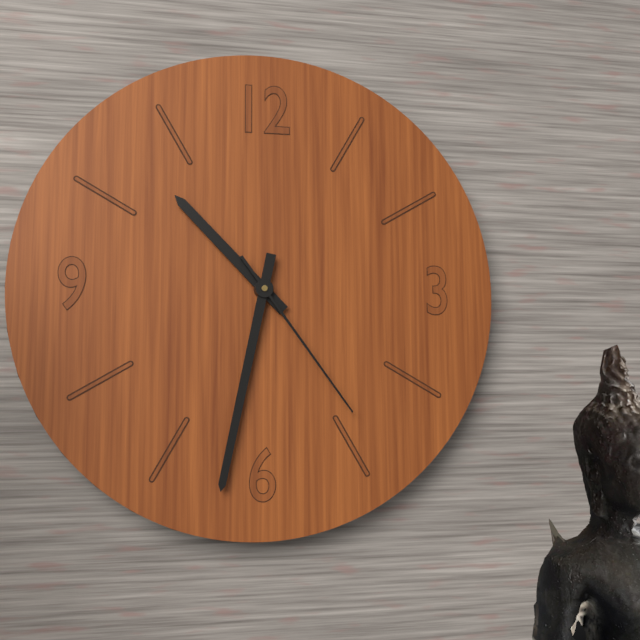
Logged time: **10:32:24**
